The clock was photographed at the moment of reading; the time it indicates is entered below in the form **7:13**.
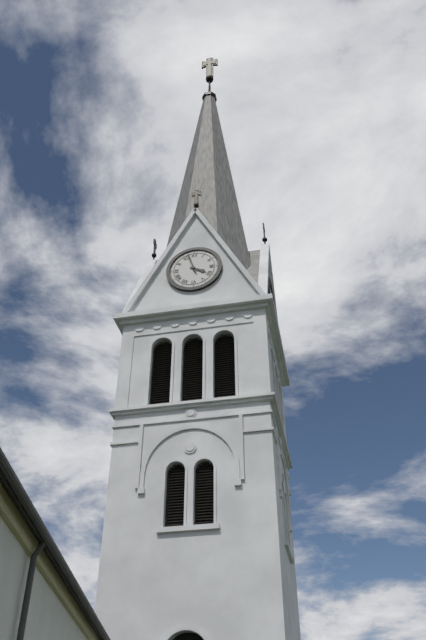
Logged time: **3:57**
